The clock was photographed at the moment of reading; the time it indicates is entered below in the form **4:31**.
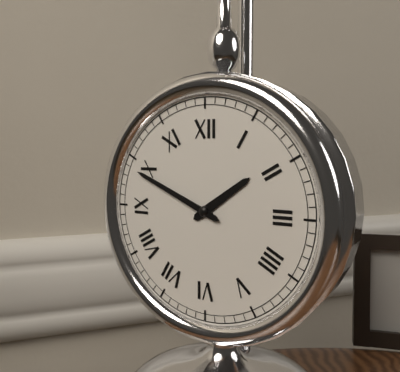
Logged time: **1:49**
